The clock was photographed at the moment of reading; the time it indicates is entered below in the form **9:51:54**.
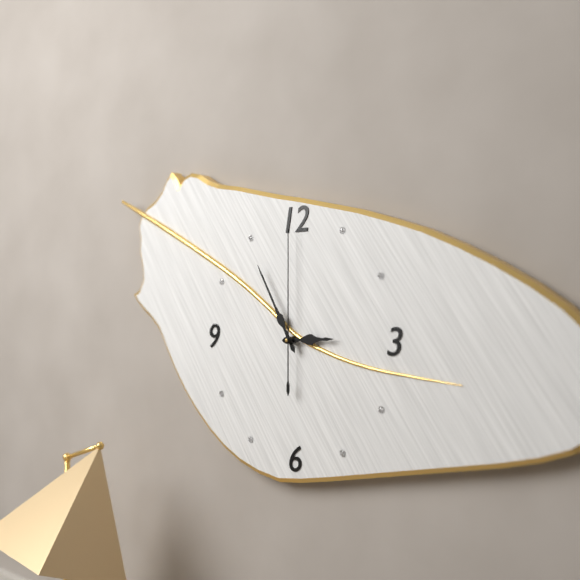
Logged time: **2:55:00**
